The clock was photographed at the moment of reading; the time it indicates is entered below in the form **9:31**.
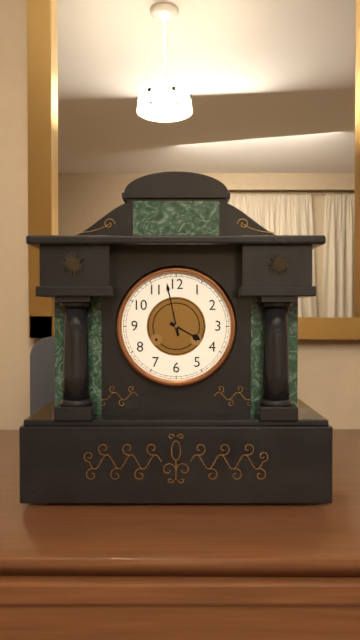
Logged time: **3:58**
